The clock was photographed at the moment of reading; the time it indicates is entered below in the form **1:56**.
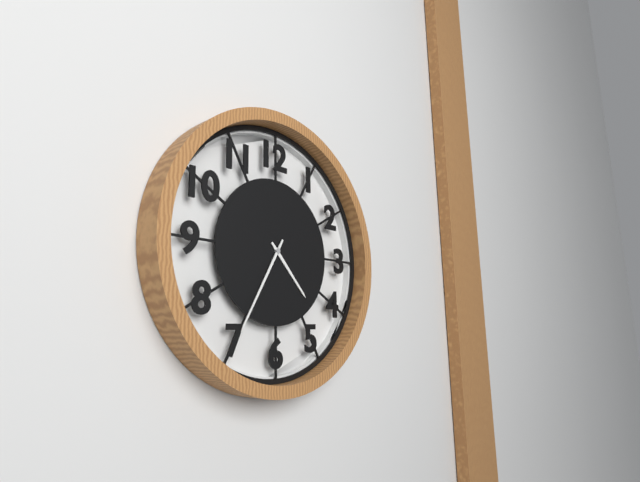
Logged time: **4:35**
